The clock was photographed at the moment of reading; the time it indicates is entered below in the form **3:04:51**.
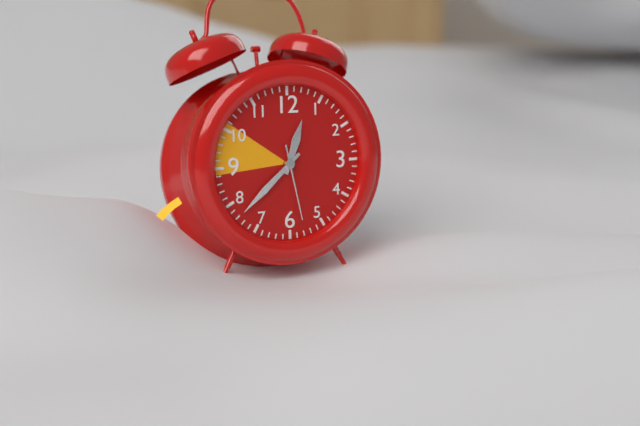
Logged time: **12:38:28**
